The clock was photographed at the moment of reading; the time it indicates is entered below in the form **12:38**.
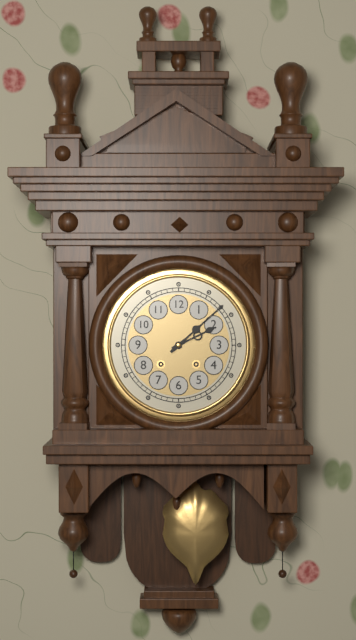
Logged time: **2:08**
